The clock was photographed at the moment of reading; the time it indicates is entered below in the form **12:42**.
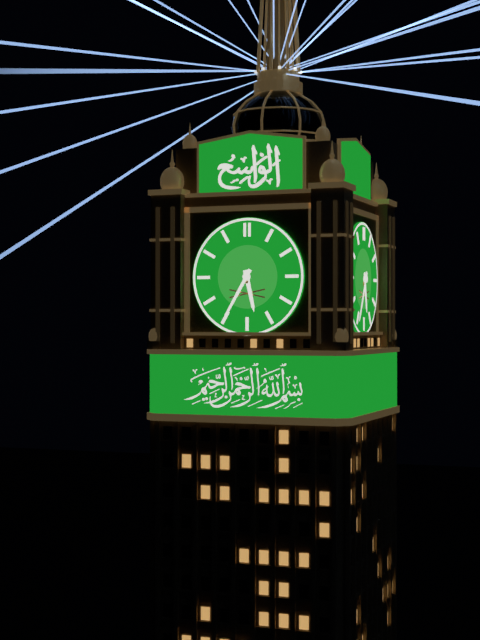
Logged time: **5:35**
